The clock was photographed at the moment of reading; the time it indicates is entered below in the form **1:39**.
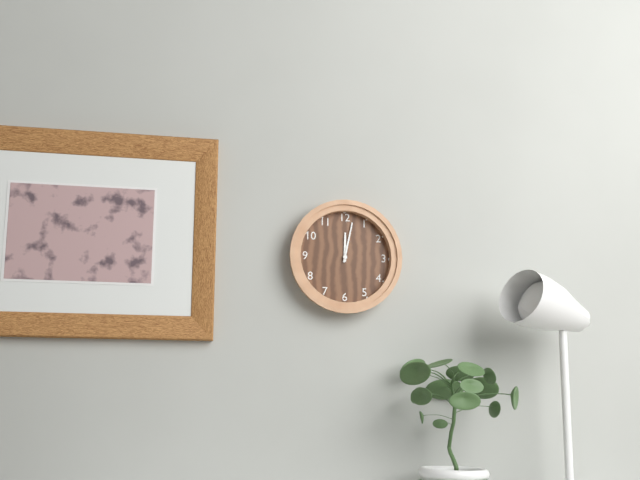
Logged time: **12:02**
